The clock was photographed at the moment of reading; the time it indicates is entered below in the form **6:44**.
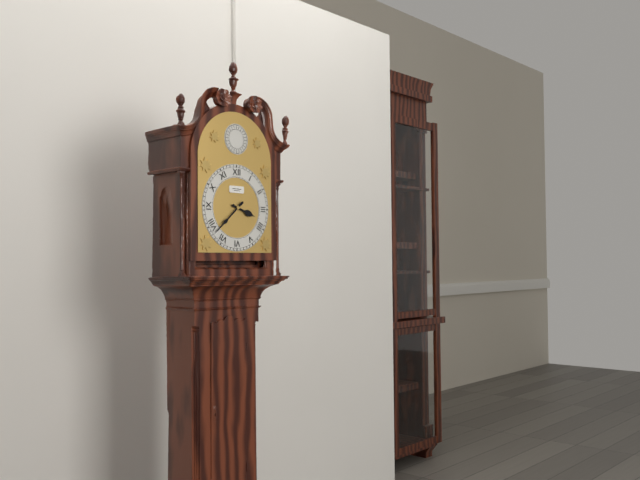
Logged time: **3:38**
